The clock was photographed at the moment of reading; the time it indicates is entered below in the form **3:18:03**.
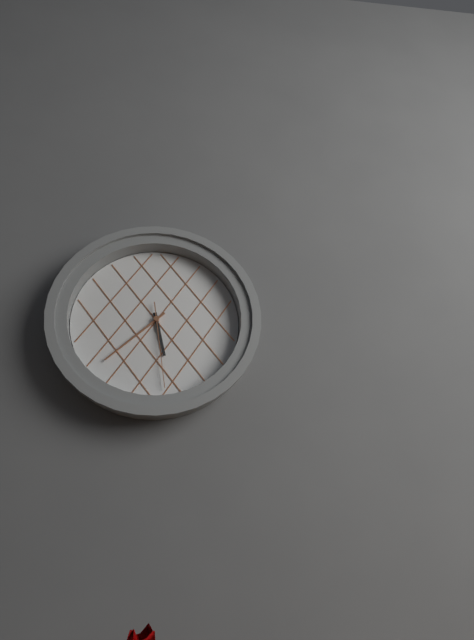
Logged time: **5:38:29**
